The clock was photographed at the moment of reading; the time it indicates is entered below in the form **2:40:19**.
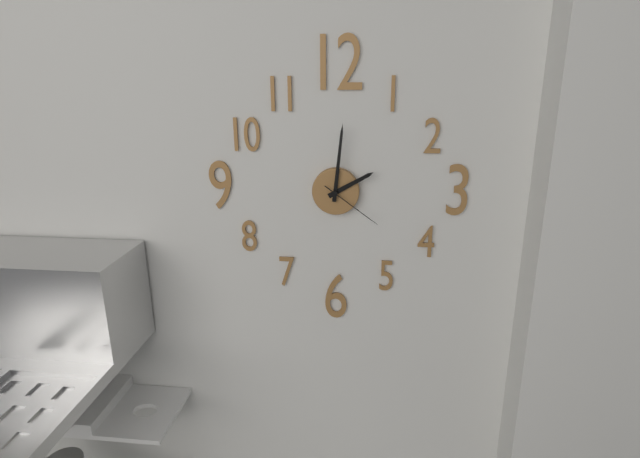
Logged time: **2:01:21**
